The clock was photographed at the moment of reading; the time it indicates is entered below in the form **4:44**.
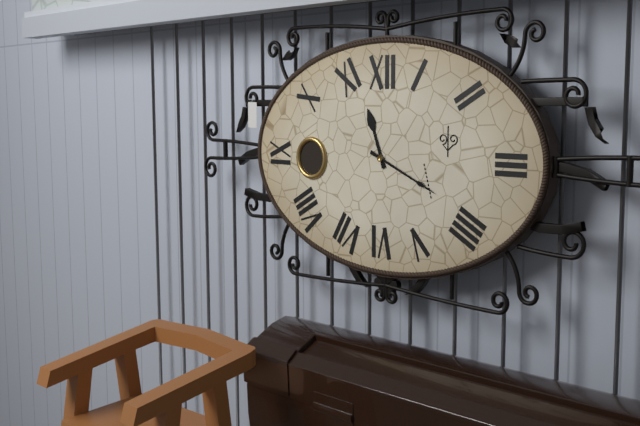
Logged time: **11:19**
